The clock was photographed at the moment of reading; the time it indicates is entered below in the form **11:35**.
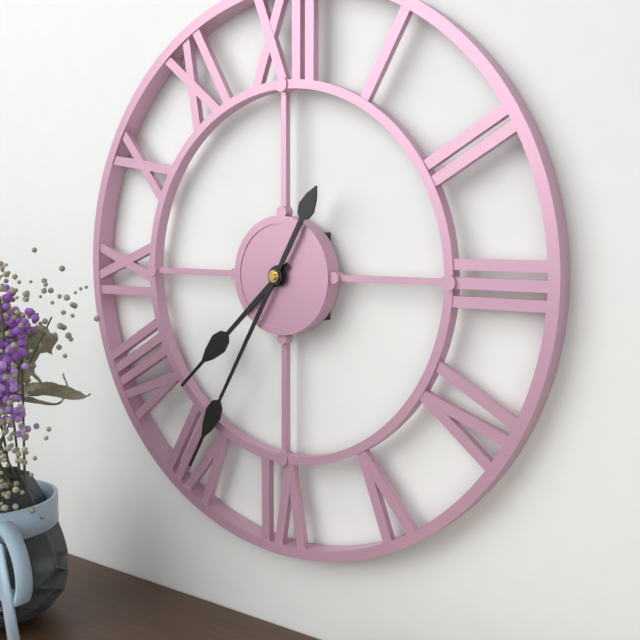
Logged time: **7:35**
